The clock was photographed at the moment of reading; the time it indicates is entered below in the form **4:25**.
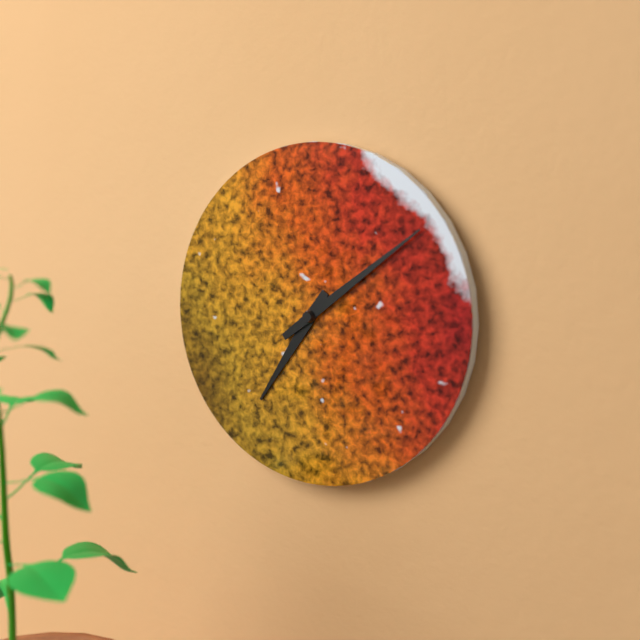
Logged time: **7:09**
